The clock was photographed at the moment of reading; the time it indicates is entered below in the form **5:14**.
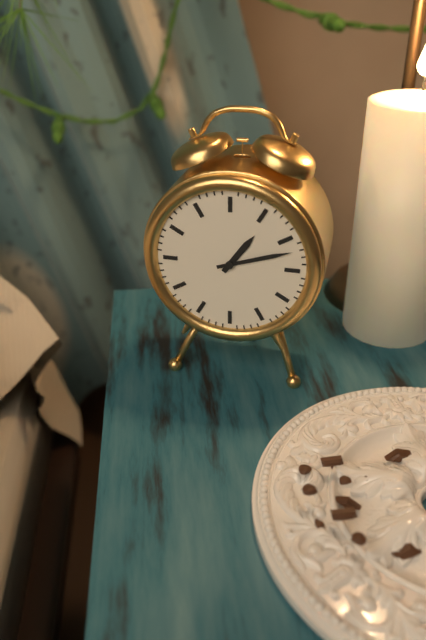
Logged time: **1:12**
